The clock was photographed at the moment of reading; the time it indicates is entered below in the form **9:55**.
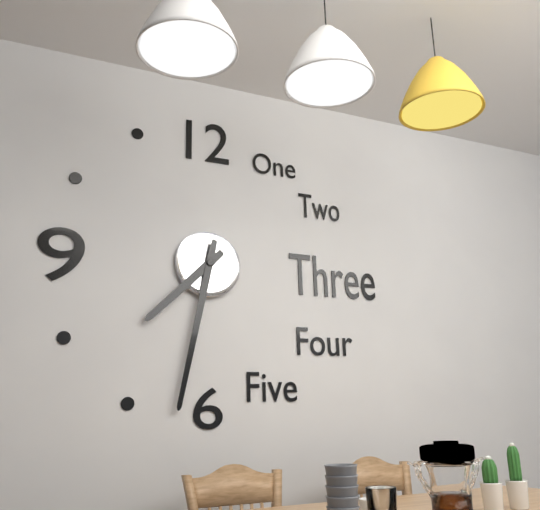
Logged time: **7:32**
